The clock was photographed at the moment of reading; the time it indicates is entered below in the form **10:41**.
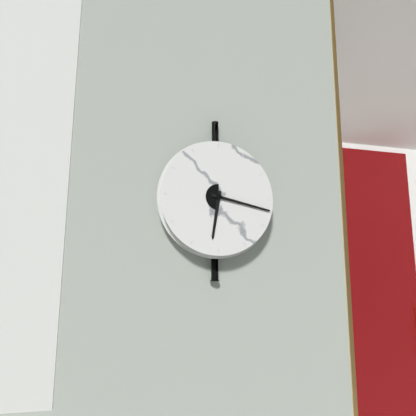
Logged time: **6:17**
